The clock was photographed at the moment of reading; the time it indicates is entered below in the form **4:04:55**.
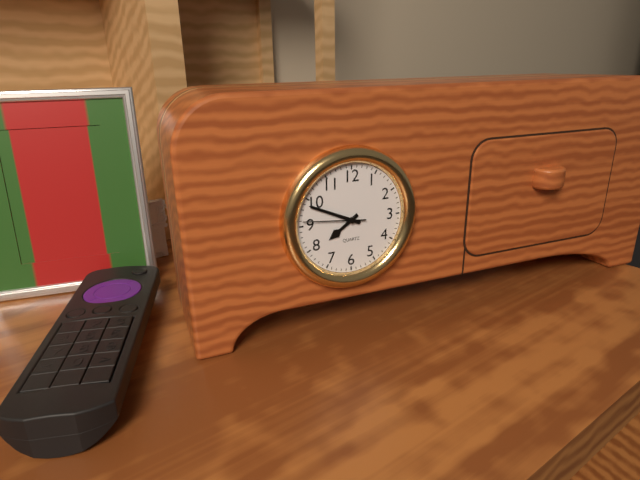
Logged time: **7:49:46**
